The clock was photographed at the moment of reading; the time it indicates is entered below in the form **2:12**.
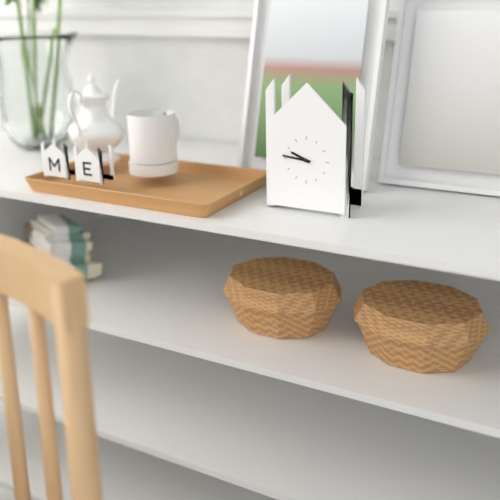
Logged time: **9:46**
